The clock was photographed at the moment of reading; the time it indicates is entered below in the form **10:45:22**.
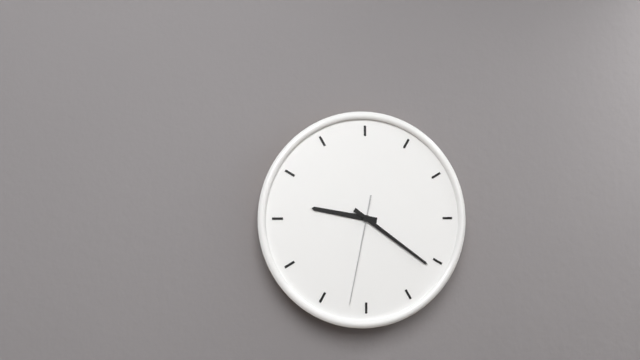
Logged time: **9:21:32**
